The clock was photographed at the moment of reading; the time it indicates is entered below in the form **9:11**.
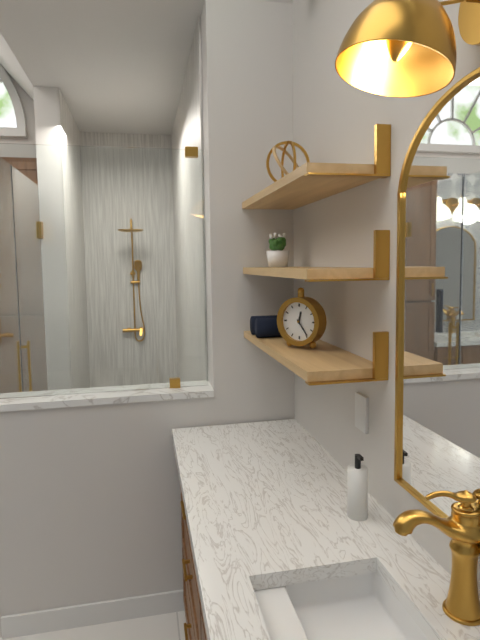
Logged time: **12:24**
